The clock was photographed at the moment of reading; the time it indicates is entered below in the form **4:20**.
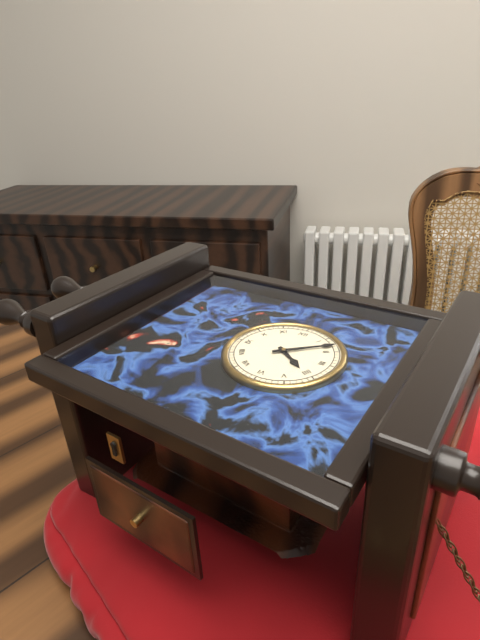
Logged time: **4:08**
